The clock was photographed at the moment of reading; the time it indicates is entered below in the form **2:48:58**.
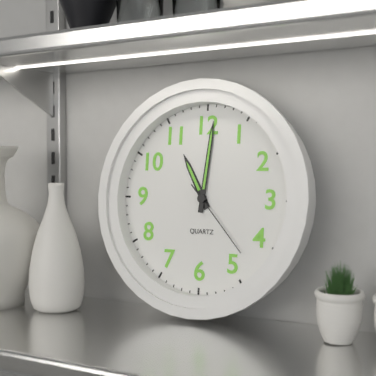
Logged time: **11:01:23**
